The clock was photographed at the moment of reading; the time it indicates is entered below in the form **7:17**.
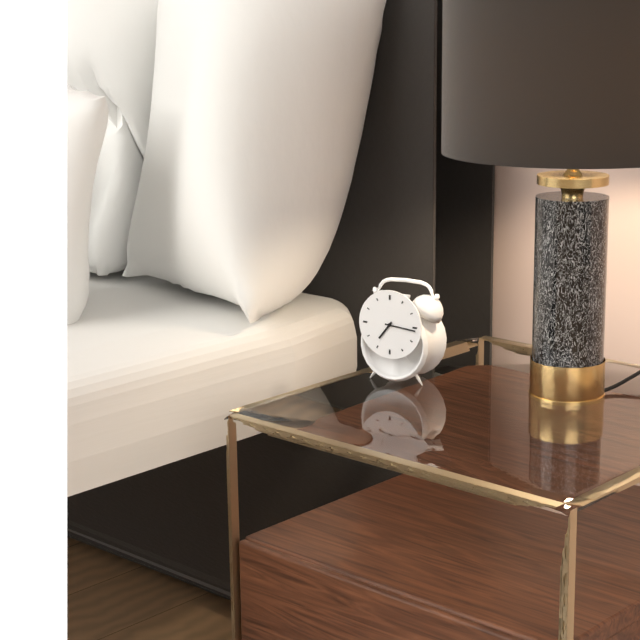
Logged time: **7:16**
